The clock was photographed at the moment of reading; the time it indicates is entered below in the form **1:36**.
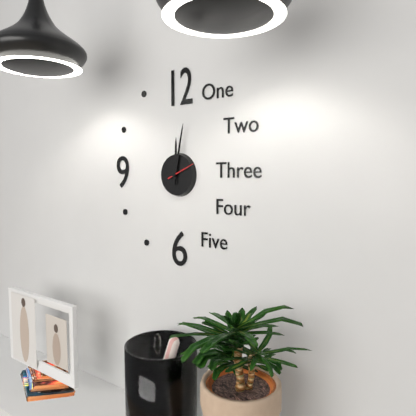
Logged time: **12:02**
